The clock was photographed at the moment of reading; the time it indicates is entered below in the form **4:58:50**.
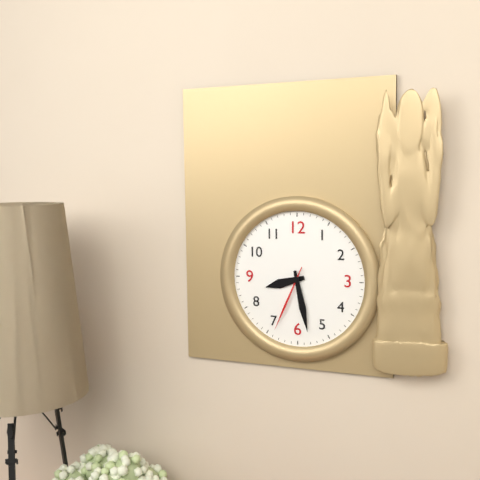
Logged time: **8:28:34**
